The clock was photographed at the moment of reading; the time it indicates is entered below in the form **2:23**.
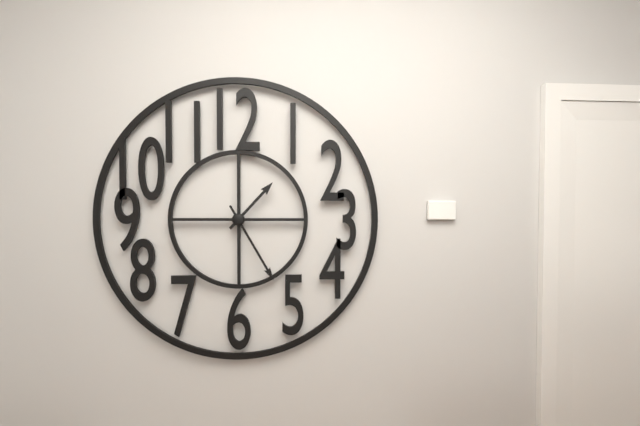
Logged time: **1:25**
